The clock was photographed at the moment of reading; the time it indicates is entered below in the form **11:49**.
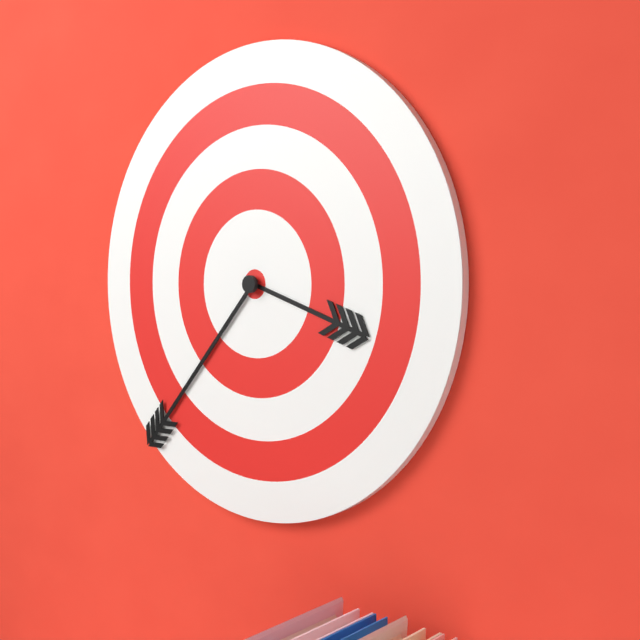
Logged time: **3:37**
